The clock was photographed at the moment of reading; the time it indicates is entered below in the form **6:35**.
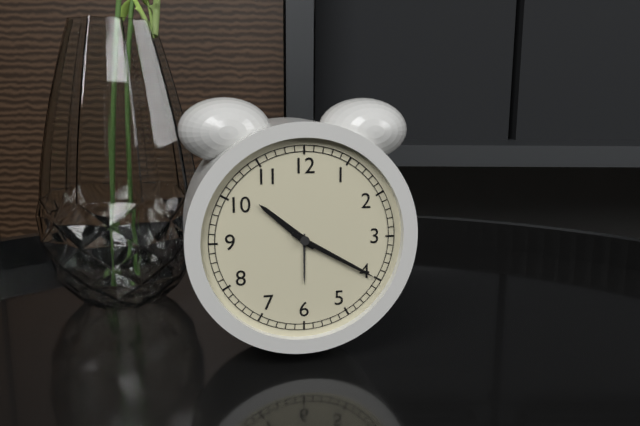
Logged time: **10:20**
